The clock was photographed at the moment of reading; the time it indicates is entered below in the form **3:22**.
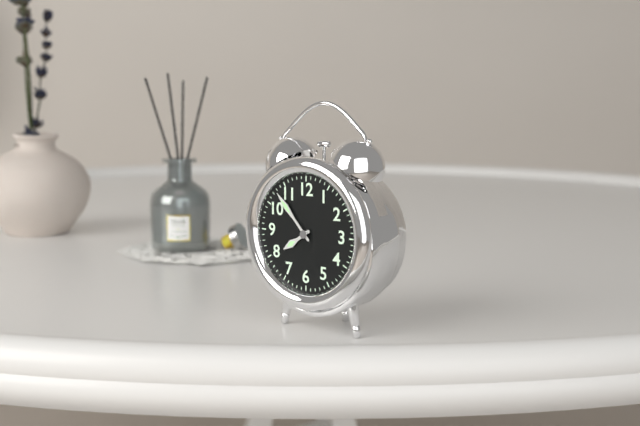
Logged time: **7:53**
